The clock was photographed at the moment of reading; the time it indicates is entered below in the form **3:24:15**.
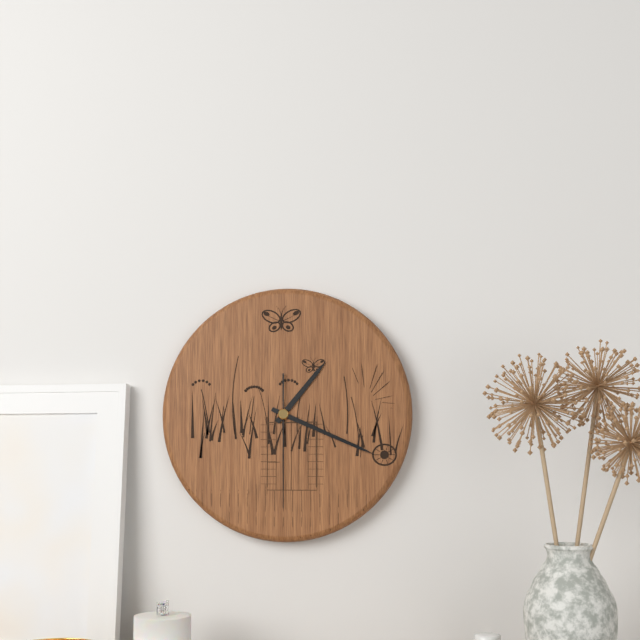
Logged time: **1:19:30**
